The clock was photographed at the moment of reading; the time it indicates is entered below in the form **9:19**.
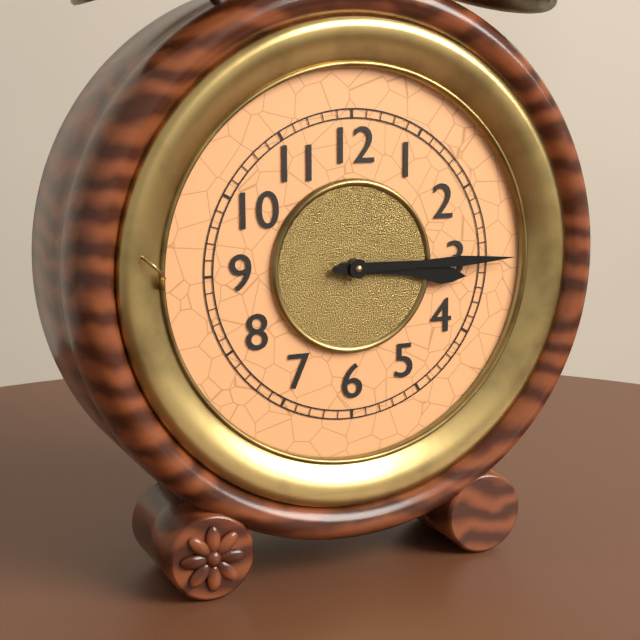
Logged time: **3:15**
